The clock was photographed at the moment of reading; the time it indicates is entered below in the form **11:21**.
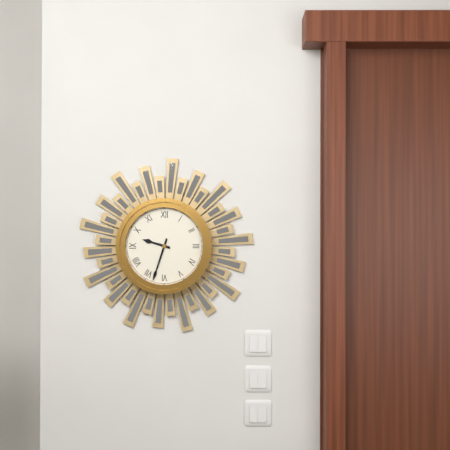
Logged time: **9:33**
